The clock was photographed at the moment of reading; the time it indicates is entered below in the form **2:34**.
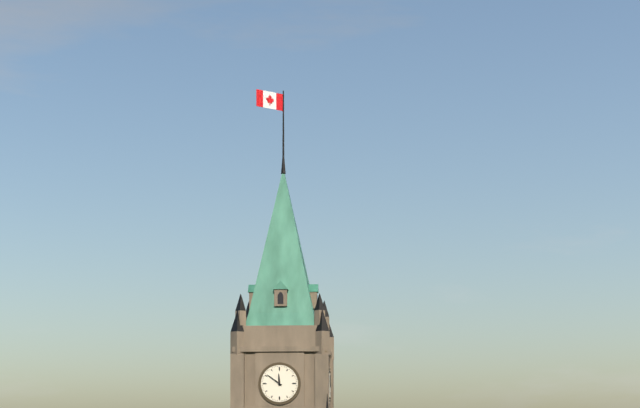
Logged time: **11:51**
